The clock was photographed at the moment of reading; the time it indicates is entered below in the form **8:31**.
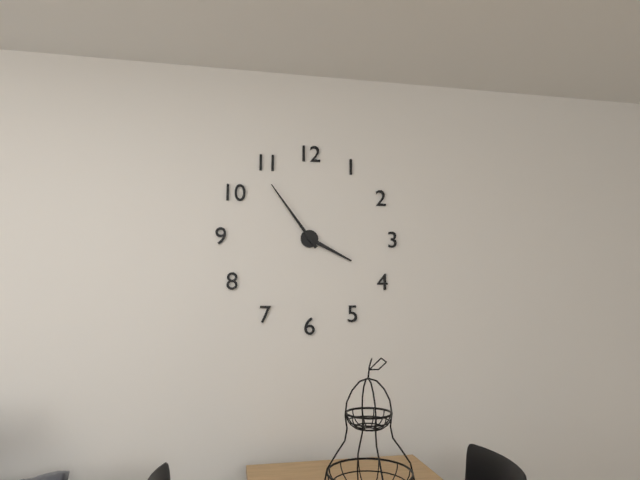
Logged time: **3:54**
